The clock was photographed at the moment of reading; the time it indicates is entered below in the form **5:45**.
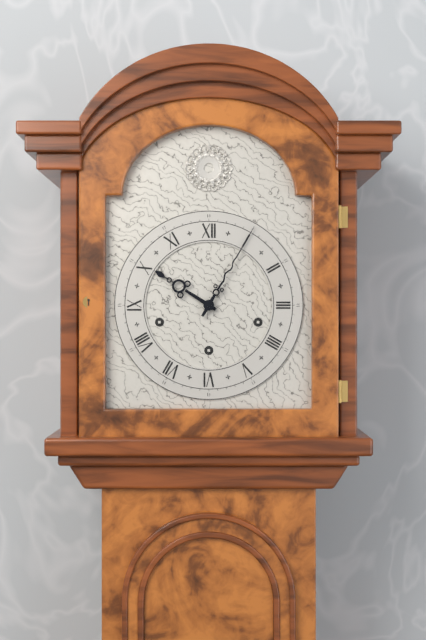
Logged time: **10:05**
